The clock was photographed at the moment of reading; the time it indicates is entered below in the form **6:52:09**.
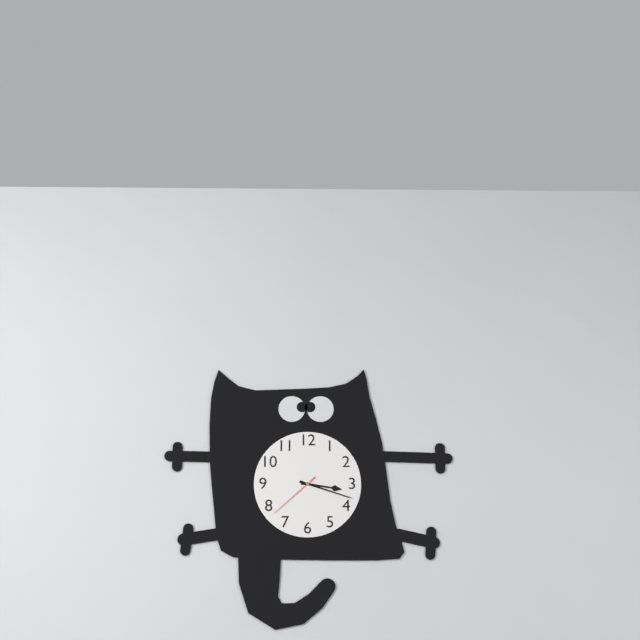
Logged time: **3:18:38**
